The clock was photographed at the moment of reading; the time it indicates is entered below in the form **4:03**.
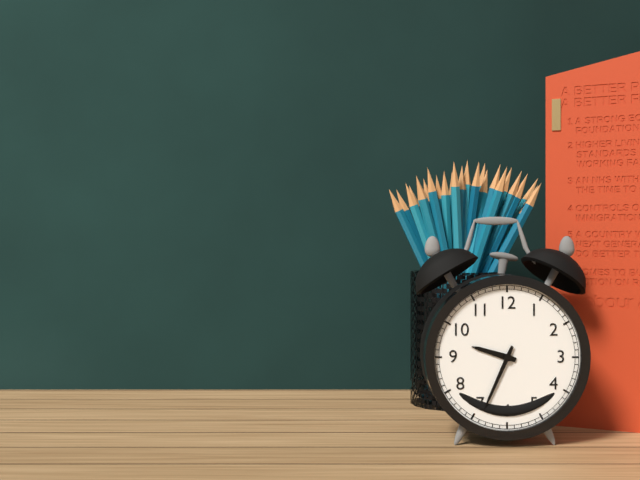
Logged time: **9:34**
